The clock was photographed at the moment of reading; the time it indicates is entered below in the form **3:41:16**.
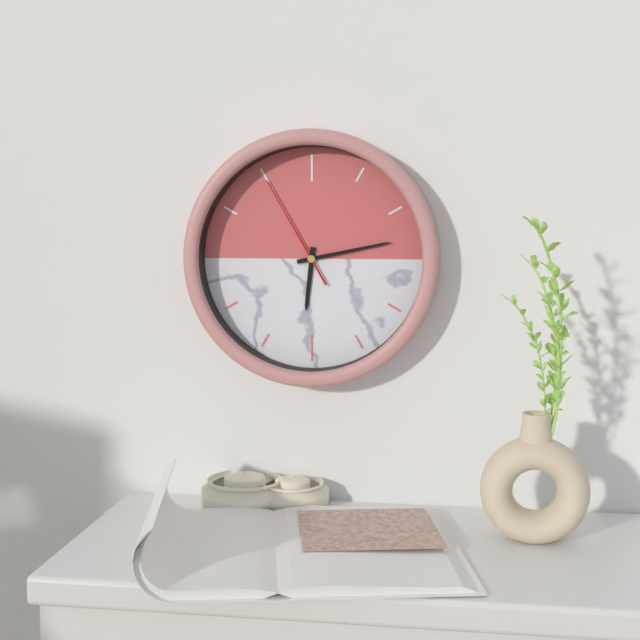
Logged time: **6:13:55**
